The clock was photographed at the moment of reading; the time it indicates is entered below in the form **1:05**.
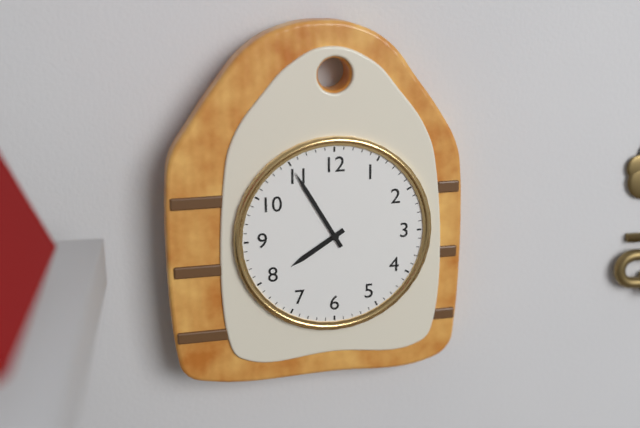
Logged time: **7:55**
